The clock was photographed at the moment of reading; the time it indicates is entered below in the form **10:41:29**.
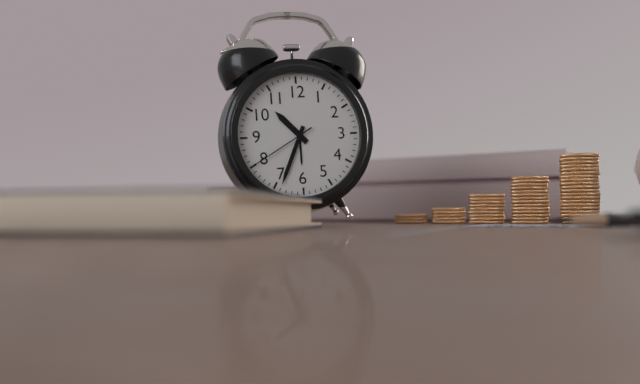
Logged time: **10:34:40**
